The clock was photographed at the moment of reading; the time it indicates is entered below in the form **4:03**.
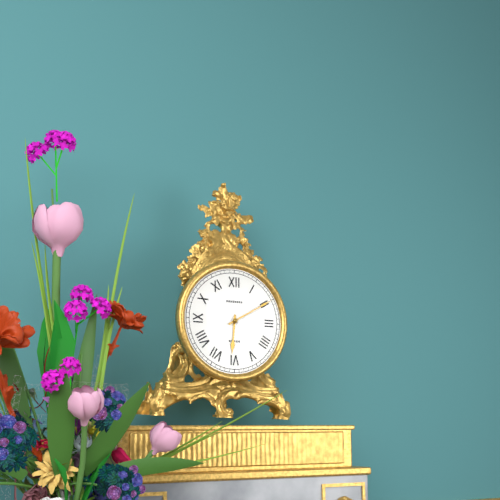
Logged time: **6:10**
